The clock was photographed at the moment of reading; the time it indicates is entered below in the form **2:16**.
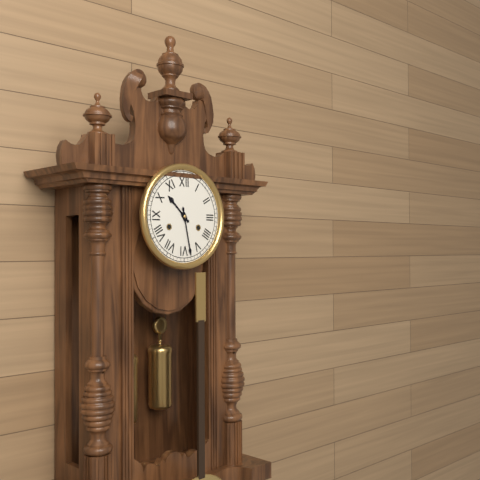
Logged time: **10:28**
